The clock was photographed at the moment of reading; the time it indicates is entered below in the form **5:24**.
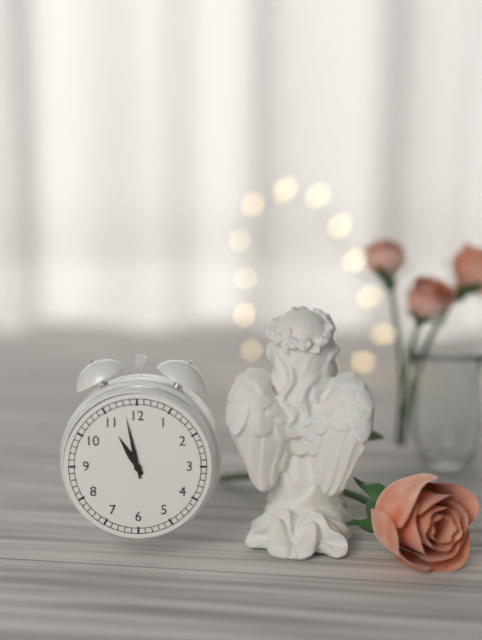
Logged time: **10:58**
